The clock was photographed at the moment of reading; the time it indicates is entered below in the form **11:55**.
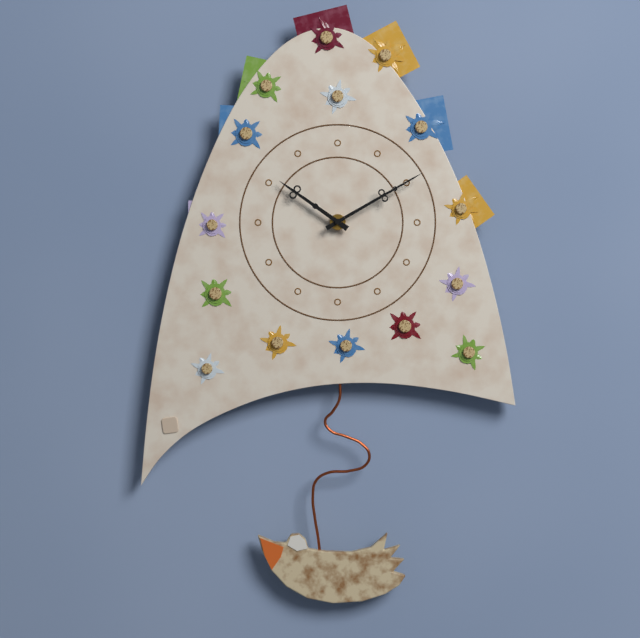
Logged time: **10:10**
